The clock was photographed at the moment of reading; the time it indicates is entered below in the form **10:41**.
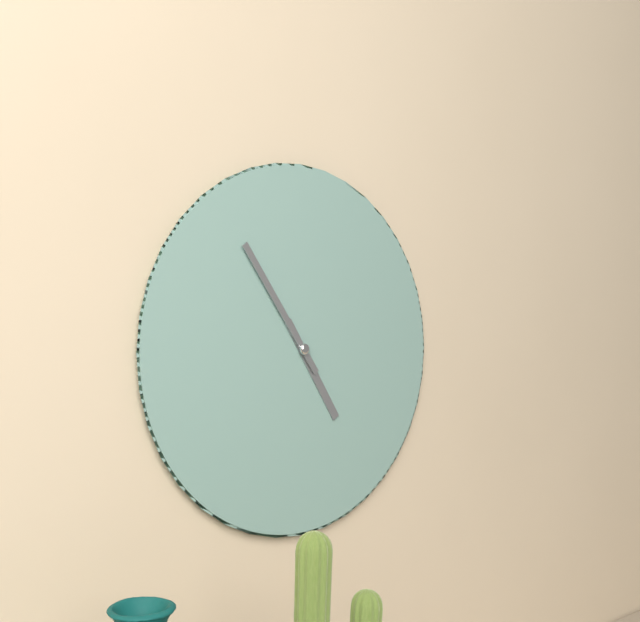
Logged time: **4:54**
